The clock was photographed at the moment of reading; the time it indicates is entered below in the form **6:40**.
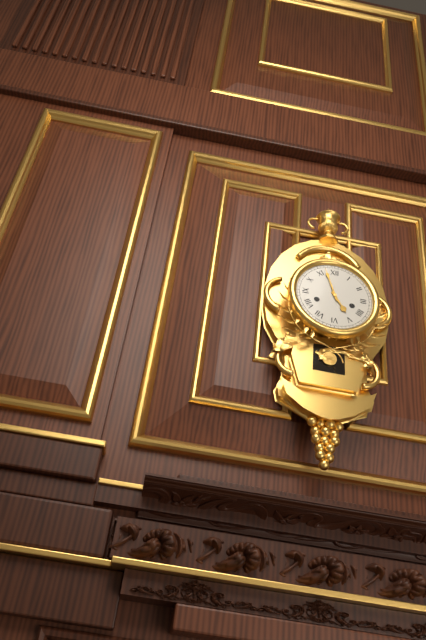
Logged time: **4:57**
